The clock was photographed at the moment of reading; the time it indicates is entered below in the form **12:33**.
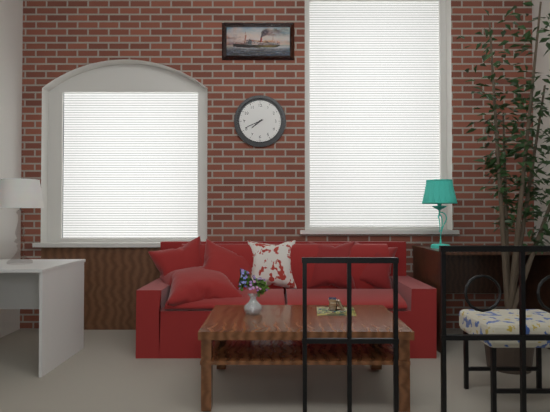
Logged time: **7:41**
